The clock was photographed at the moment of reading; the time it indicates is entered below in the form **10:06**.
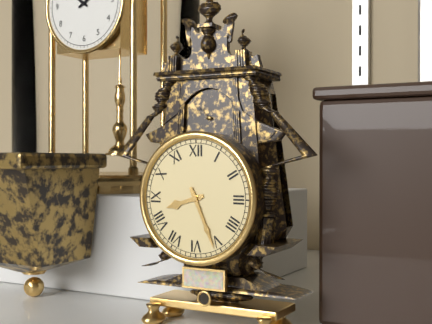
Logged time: **8:26**
